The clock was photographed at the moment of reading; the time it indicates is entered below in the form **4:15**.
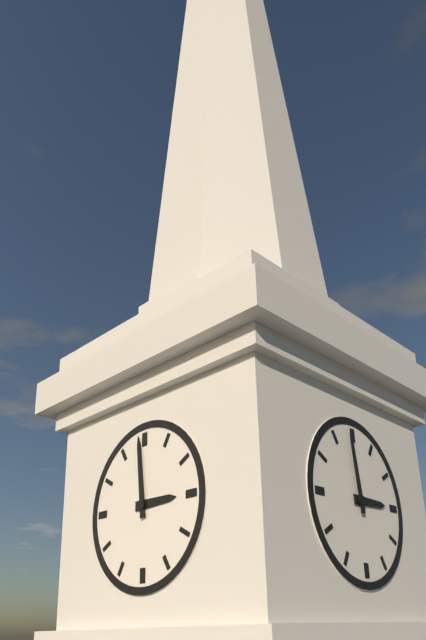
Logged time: **2:59**
